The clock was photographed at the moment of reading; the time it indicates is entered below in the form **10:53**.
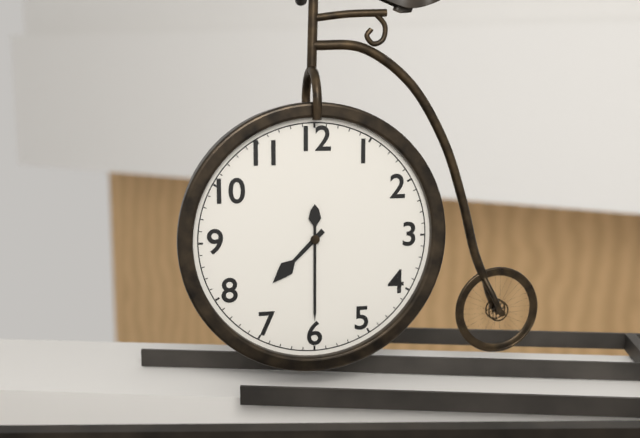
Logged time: **7:30**
